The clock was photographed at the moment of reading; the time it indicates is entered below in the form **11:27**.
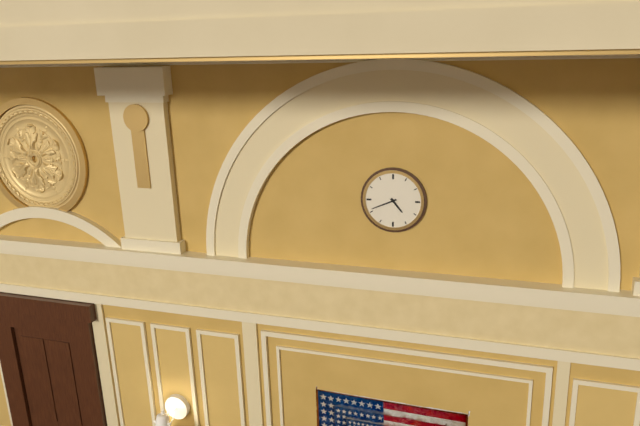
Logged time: **4:41**
